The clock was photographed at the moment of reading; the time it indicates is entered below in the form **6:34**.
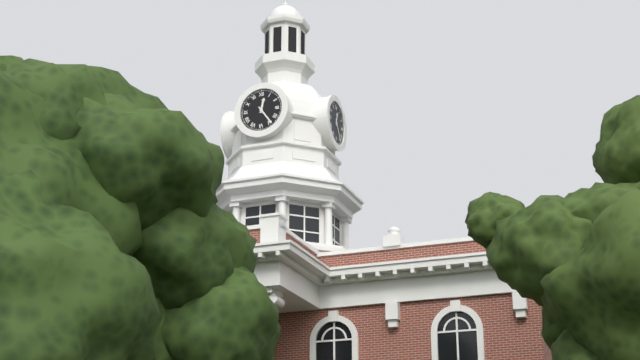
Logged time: **12:24**
